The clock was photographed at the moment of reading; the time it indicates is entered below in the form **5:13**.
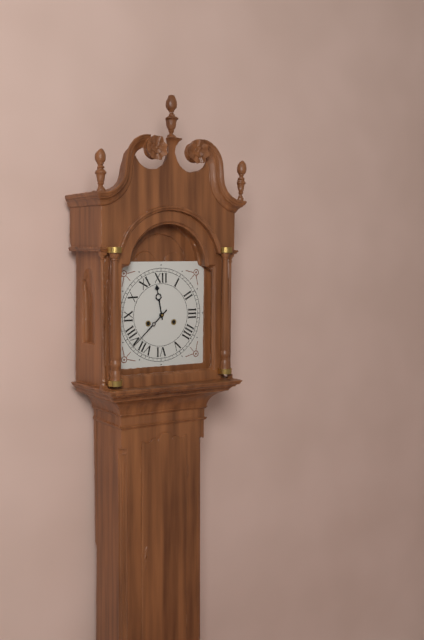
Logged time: **11:38**
